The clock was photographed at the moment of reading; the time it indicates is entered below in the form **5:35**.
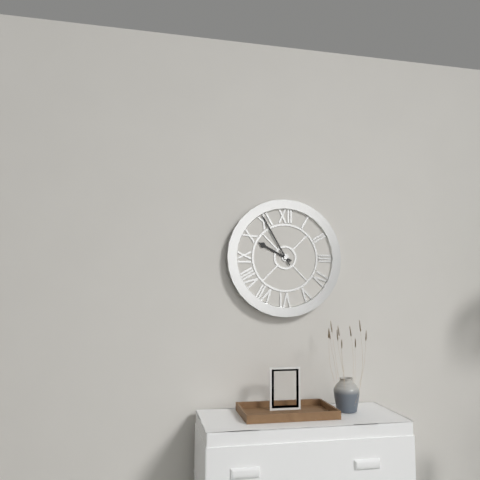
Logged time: **9:55**
